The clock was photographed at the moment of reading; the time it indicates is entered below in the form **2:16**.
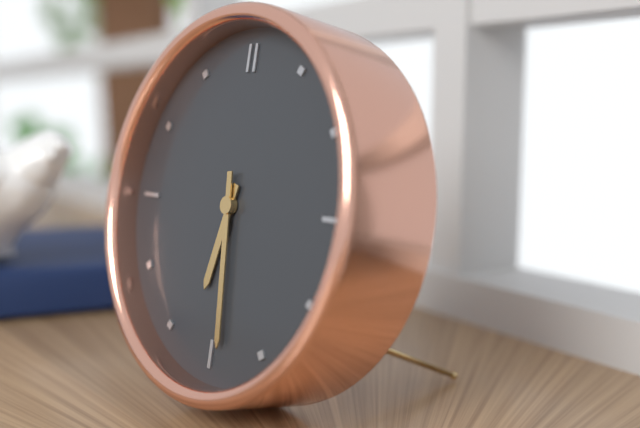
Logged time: **6:29**
